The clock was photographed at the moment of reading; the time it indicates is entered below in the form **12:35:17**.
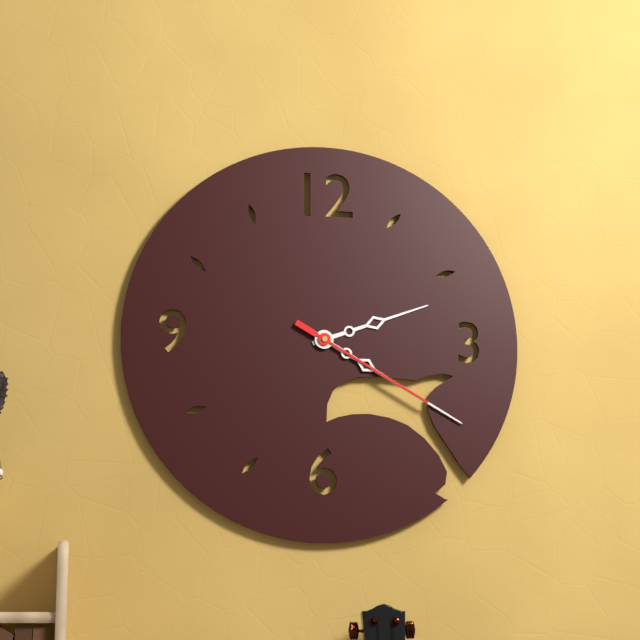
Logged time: **2:20:20**
